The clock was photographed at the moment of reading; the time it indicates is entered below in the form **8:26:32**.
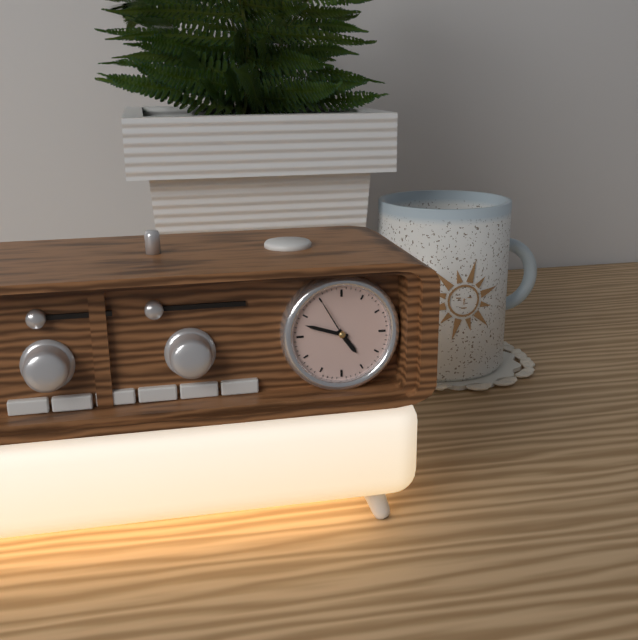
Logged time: **4:48:55**
